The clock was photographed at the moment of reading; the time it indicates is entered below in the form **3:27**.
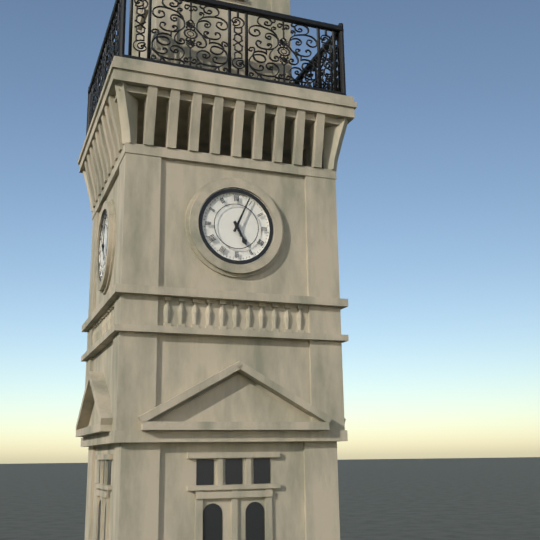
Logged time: **5:04**
